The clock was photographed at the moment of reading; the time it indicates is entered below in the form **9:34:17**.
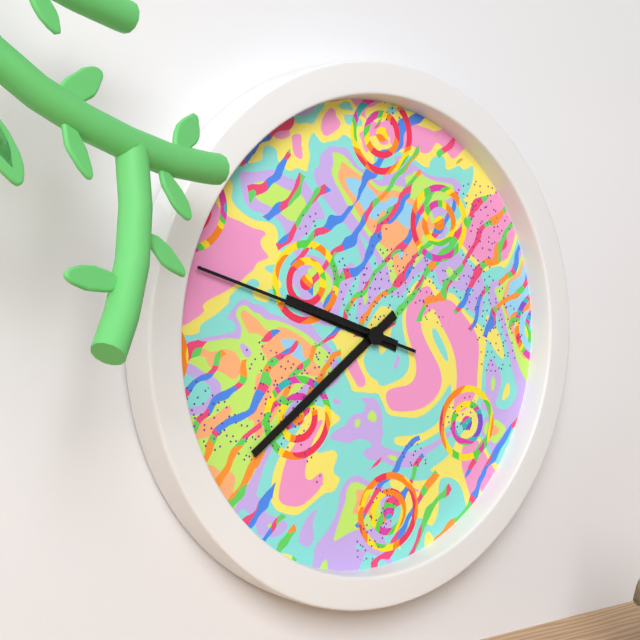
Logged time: **9:39:48**
